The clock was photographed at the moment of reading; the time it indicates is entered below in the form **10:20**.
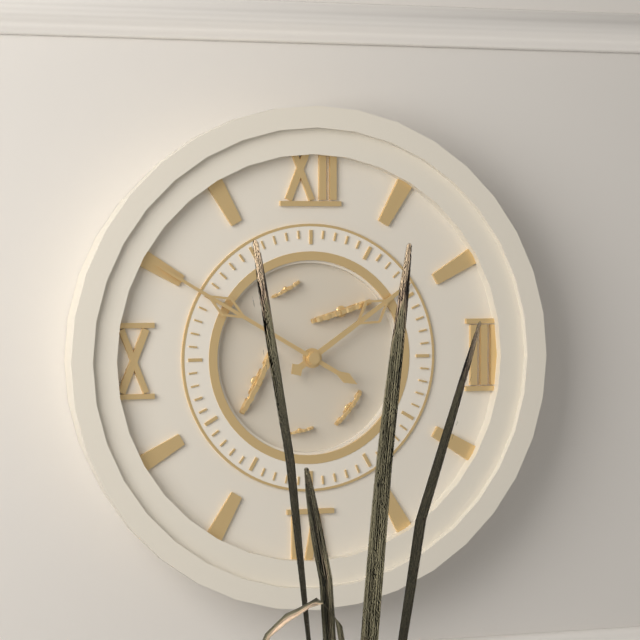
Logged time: **1:50**
